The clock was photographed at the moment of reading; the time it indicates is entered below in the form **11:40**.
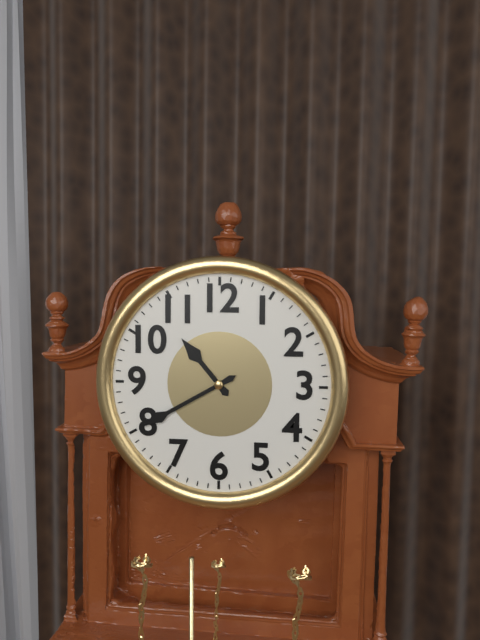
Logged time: **10:40**
